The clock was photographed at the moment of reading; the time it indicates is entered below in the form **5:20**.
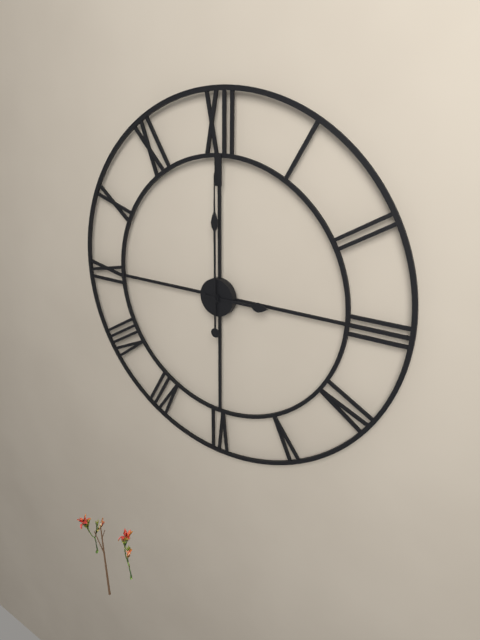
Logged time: **3:00**
